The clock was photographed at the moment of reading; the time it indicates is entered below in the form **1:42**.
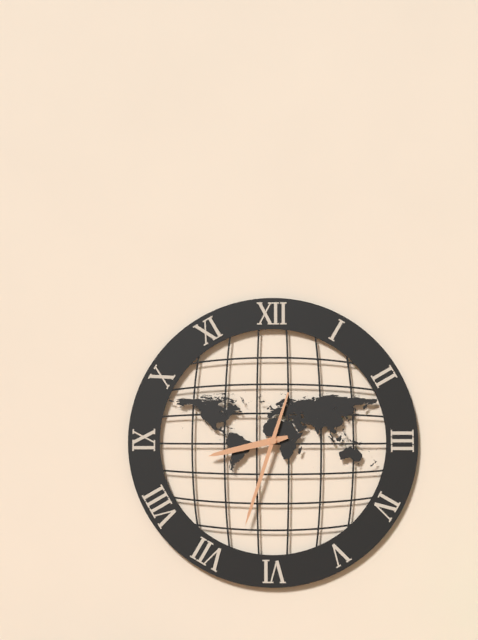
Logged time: **8:33**
